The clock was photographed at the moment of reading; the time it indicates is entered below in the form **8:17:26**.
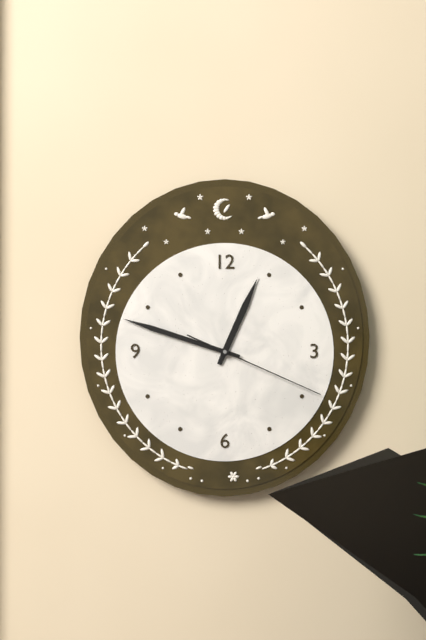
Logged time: **12:48:19**
